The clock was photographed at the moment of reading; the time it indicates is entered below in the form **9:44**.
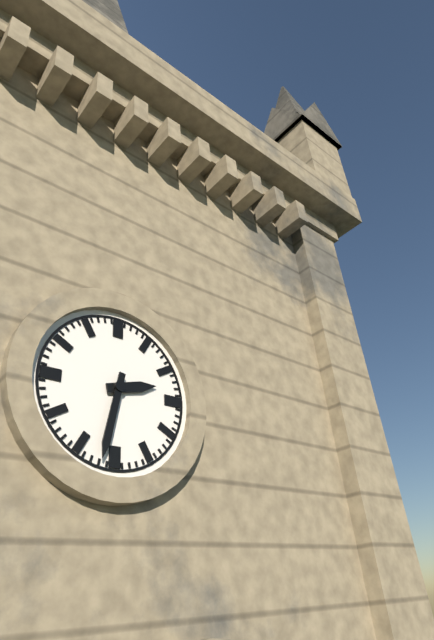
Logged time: **2:32**
